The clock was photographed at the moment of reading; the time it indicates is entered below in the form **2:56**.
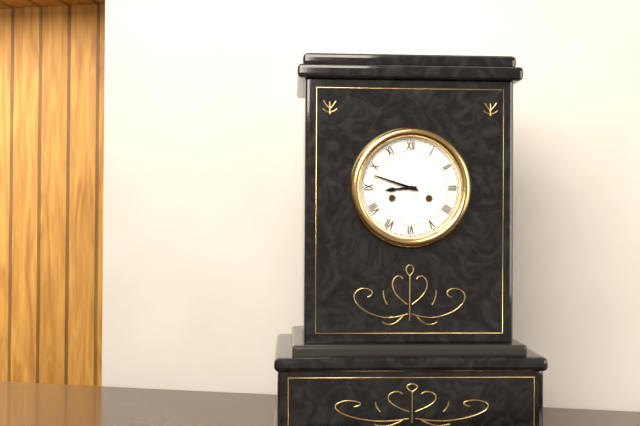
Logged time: **8:48**
